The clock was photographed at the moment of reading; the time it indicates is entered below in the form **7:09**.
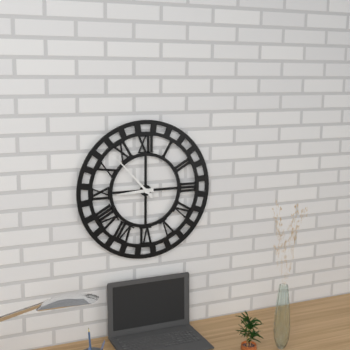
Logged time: **8:53**
